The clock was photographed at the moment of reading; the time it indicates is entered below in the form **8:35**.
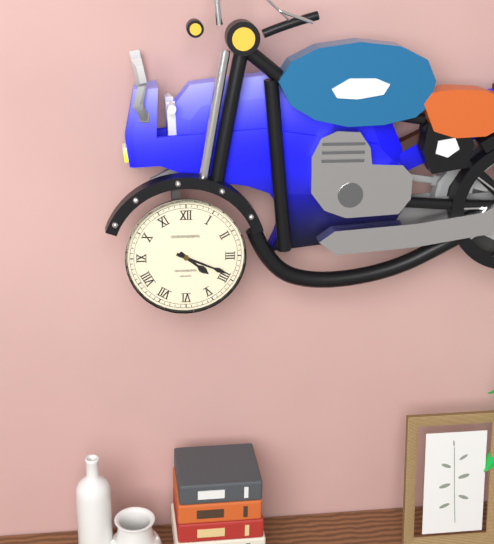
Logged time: **4:19**
